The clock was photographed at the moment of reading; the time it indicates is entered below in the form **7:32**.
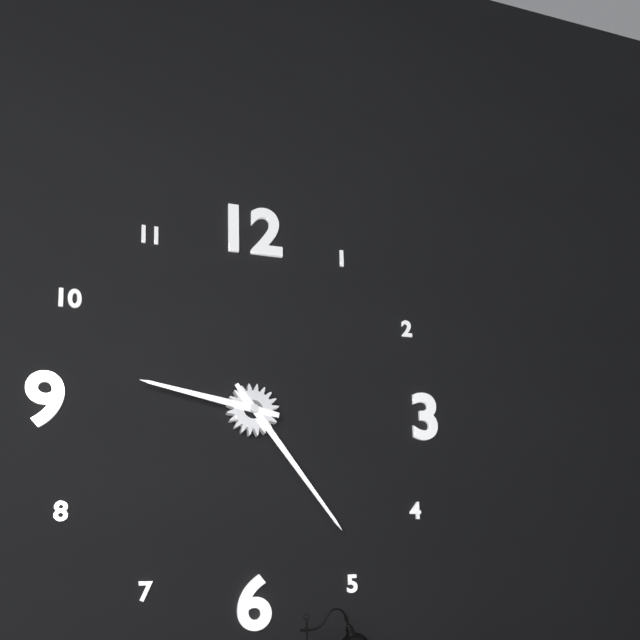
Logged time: **9:24**
